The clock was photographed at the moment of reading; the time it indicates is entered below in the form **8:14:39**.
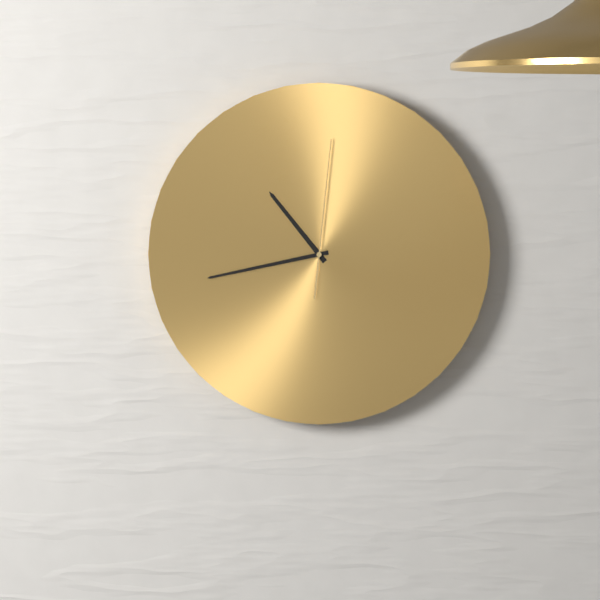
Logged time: **10:43:01**
